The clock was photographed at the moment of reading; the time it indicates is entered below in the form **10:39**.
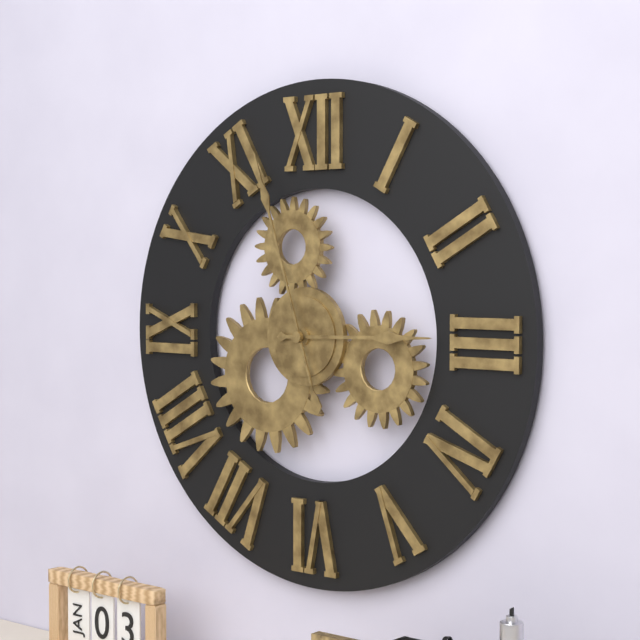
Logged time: **2:57**
